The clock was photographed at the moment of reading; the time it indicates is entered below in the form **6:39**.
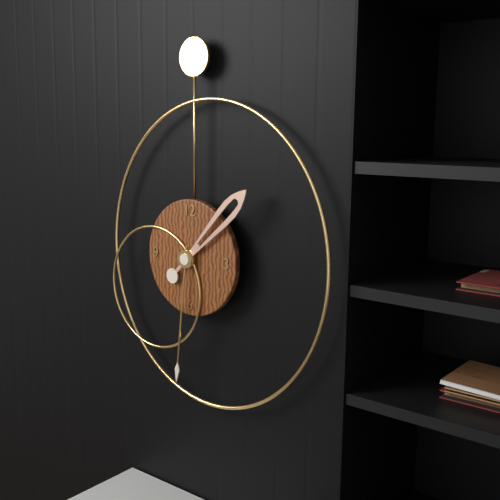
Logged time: **1:31**
